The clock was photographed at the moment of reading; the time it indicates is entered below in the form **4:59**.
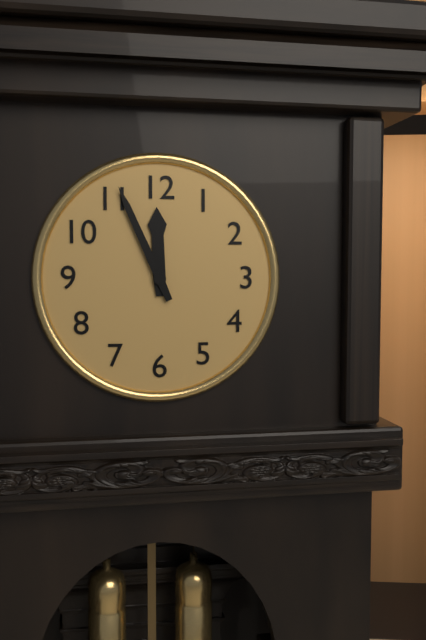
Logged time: **11:56**
